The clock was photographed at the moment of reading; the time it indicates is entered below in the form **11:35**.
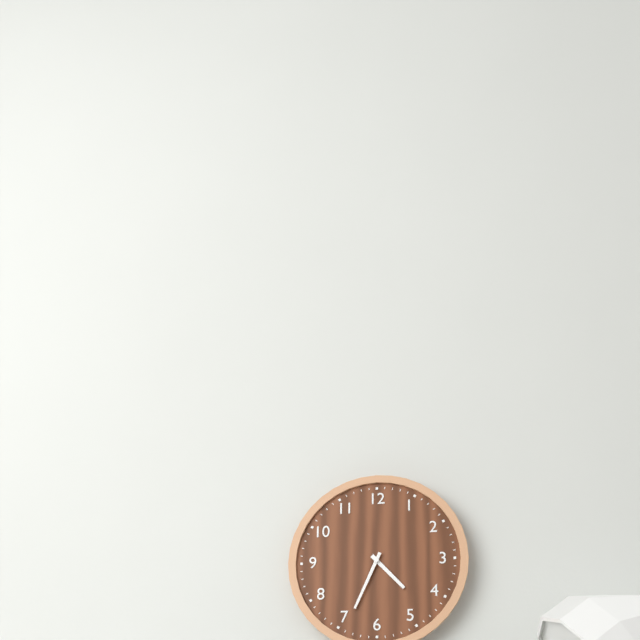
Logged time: **4:34**
